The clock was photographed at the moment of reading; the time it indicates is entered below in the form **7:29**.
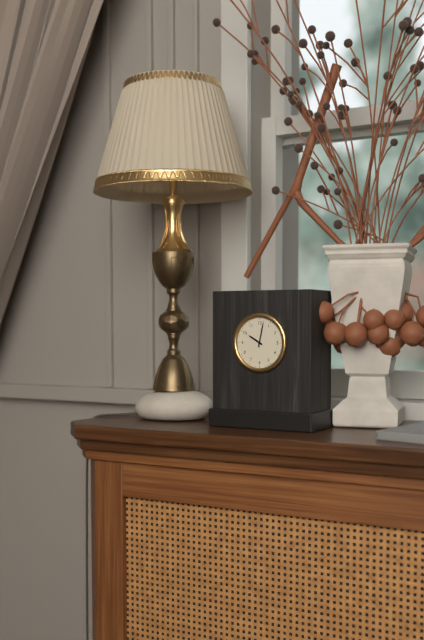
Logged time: **10:02**
